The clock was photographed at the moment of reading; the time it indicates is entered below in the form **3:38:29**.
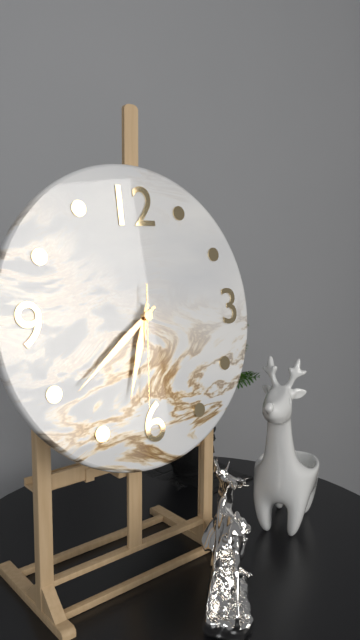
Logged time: **6:39:31**
